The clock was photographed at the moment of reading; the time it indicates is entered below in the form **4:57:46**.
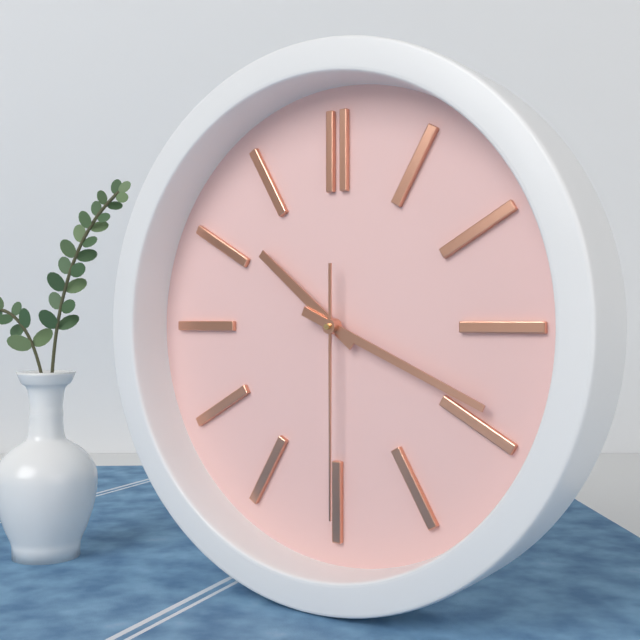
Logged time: **10:19:30**
